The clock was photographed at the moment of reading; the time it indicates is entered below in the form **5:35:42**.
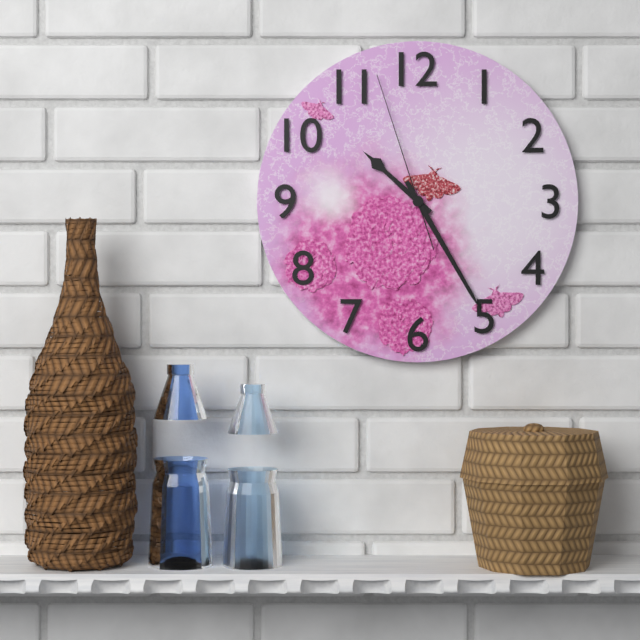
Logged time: **10:25:57**
